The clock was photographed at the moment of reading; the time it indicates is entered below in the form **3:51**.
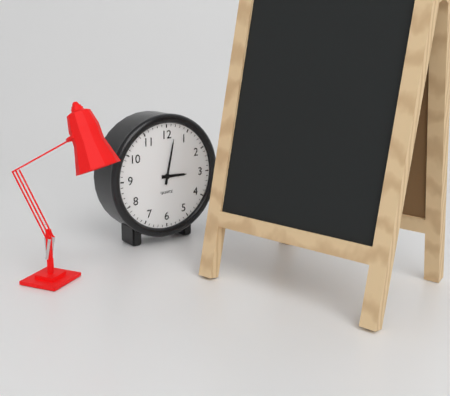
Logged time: **3:02**
